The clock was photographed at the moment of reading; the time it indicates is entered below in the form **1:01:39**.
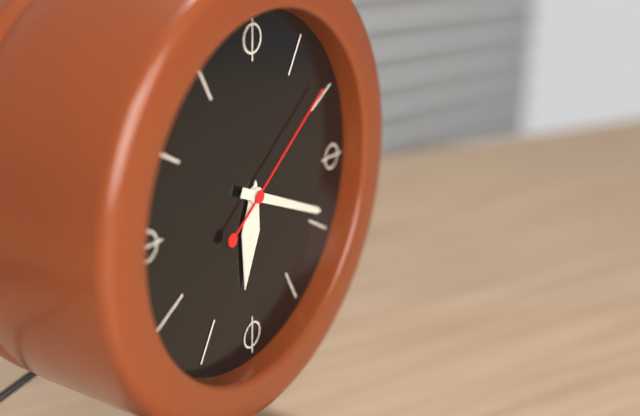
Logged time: **6:19:09**
